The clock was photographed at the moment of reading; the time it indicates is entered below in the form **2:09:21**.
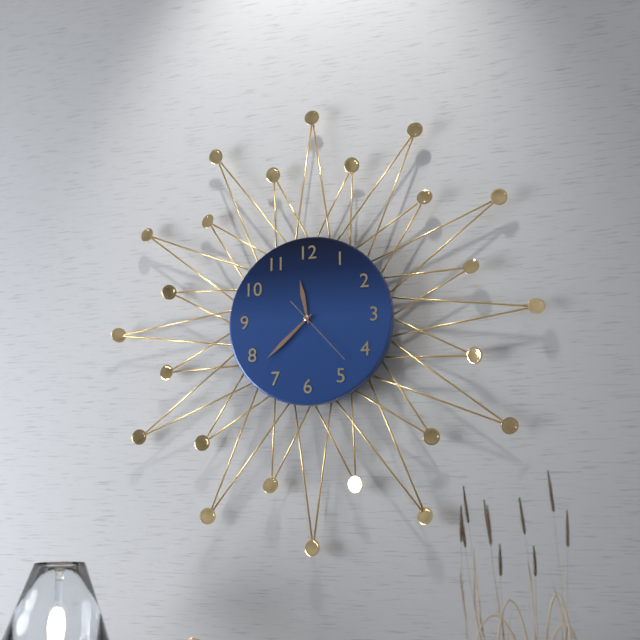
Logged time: **11:38:23**
